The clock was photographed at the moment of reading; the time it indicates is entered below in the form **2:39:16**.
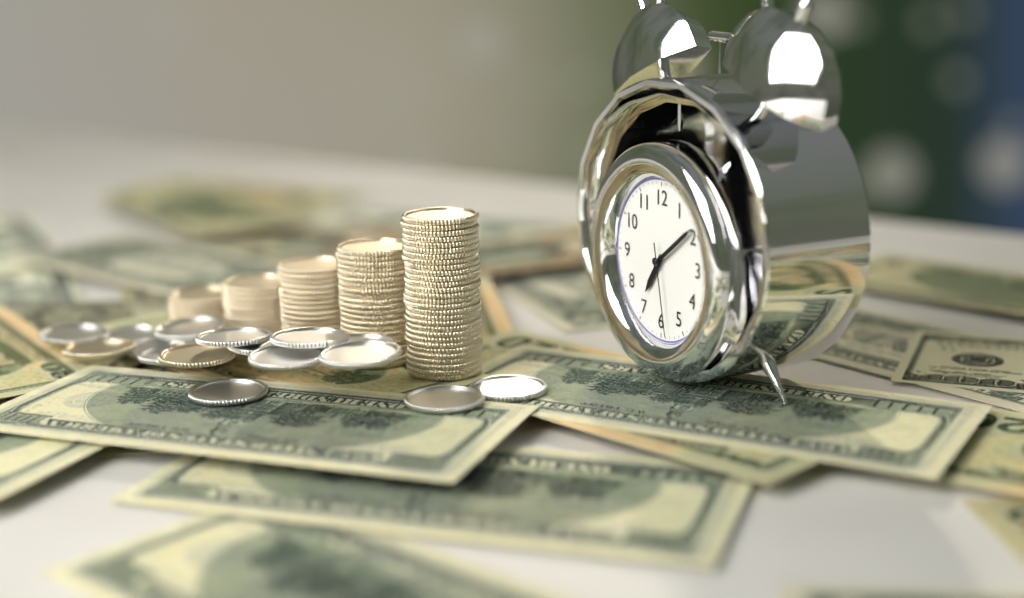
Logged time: **7:09:28**
